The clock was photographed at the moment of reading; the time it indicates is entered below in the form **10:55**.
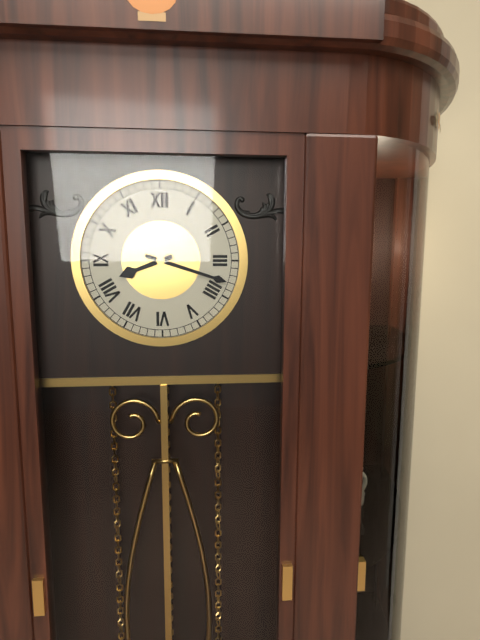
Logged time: **8:18**
